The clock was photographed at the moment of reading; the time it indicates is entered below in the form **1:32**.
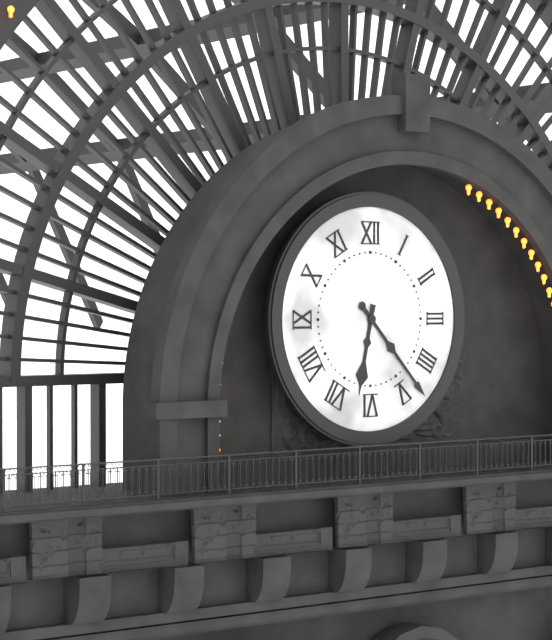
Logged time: **6:23**
